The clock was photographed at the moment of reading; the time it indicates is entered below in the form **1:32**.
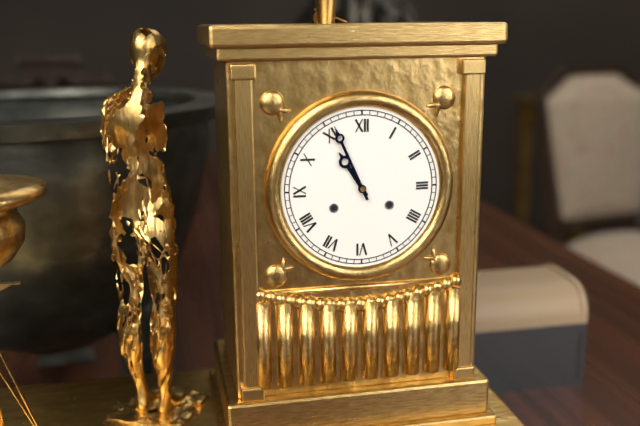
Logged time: **10:56**
